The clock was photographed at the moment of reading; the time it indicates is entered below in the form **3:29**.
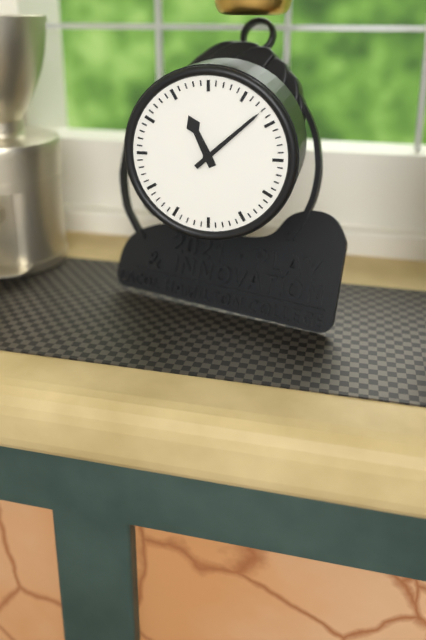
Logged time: **11:08**
